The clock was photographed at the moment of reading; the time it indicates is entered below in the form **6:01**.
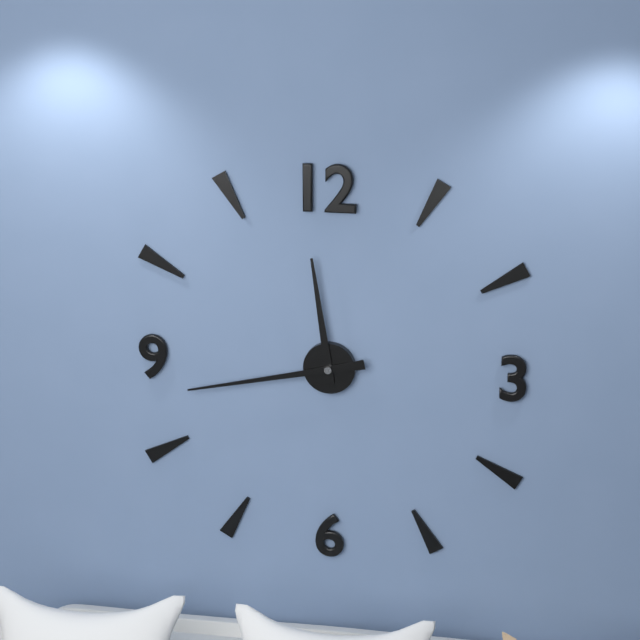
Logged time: **11:43**
